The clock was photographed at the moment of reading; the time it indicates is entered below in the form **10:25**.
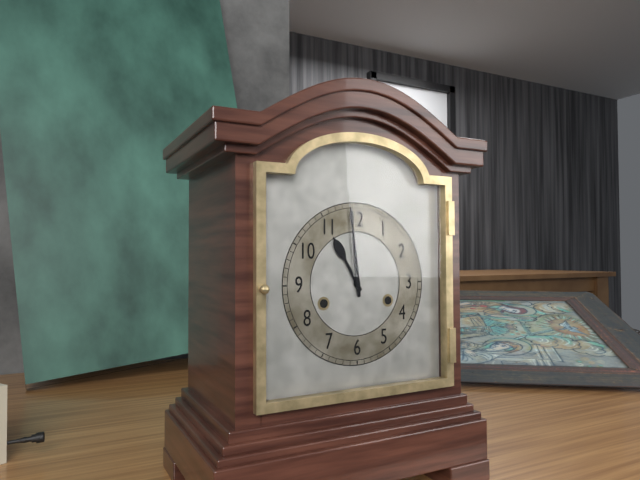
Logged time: **10:59**
